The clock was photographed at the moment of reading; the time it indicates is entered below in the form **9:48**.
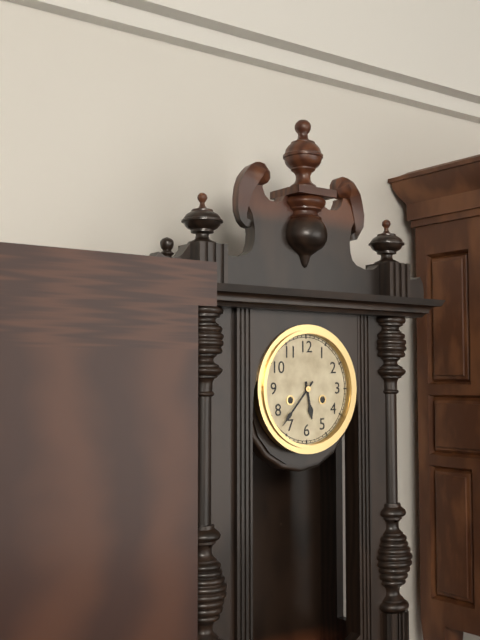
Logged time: **5:37**
